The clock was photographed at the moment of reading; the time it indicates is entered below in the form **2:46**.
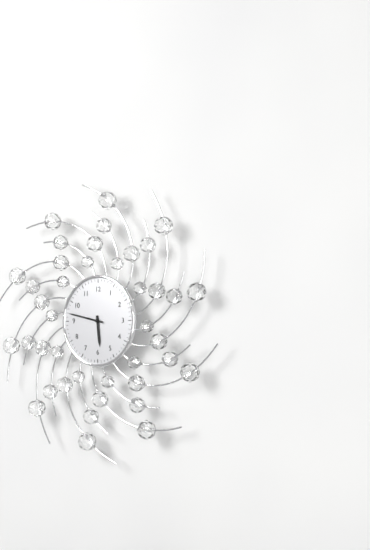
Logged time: **5:47**
